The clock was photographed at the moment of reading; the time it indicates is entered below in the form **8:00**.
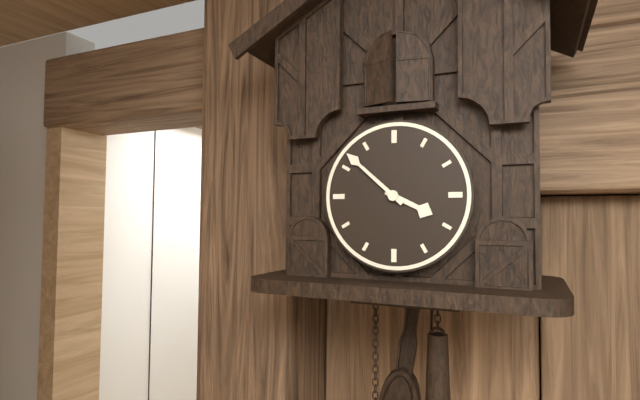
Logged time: **3:52**
